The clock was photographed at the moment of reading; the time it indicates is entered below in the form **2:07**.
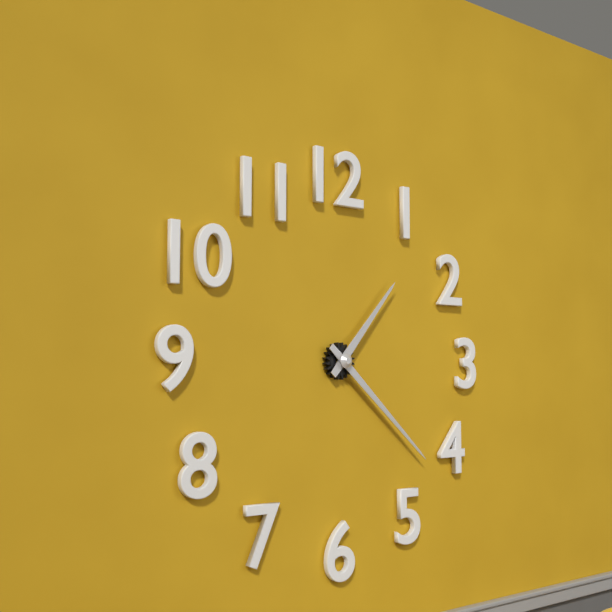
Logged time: **1:22**
